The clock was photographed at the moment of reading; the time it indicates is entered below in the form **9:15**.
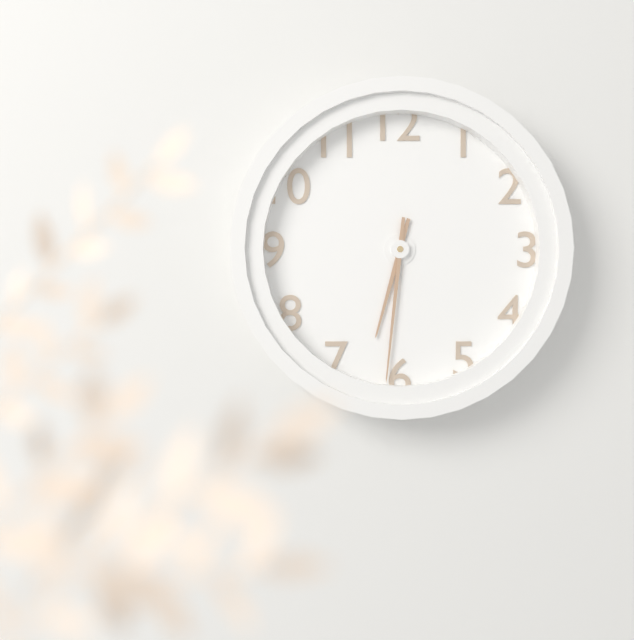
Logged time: **6:31**
